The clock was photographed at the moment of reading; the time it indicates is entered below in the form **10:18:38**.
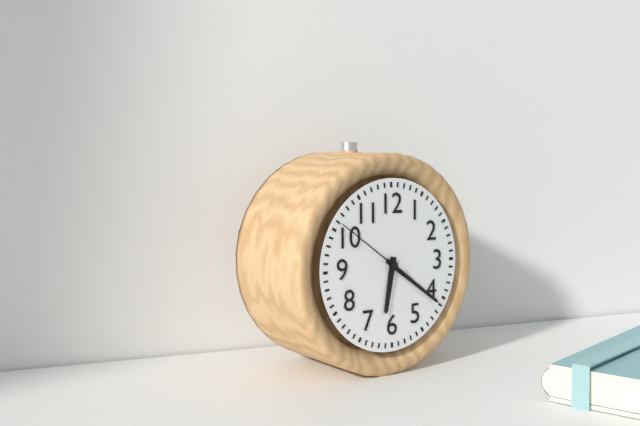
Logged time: **6:21:51**
